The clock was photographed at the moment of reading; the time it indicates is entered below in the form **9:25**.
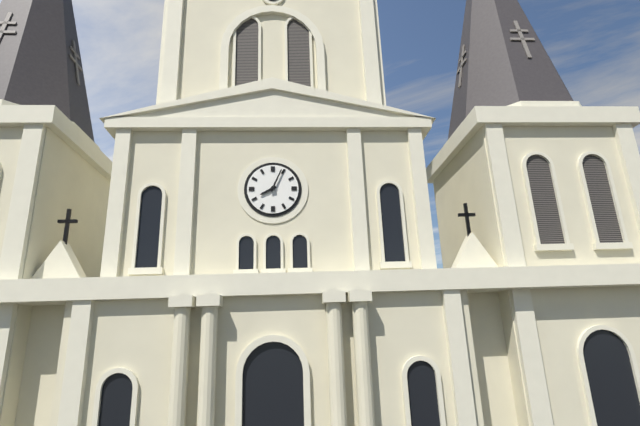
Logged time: **8:04**
